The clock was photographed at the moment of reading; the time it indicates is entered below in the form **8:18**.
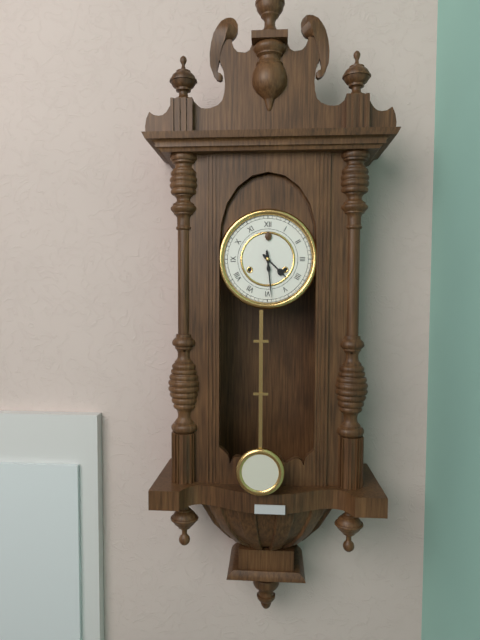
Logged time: **4:29**
